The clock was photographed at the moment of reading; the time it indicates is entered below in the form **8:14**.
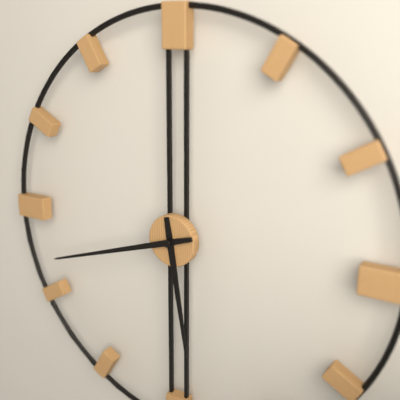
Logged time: **5:42**
